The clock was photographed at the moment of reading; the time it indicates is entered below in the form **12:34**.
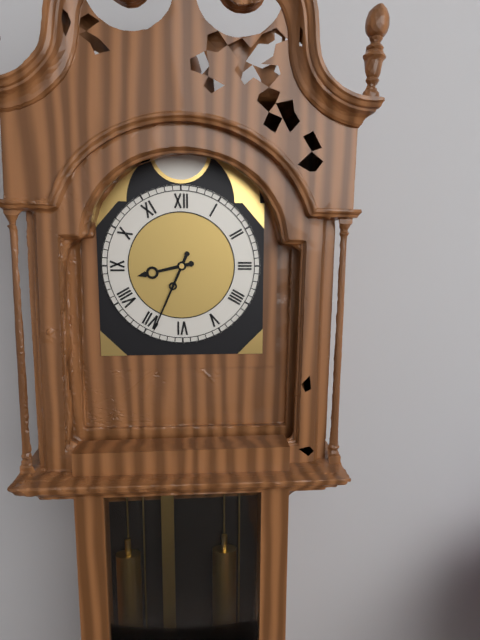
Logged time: **8:34**
